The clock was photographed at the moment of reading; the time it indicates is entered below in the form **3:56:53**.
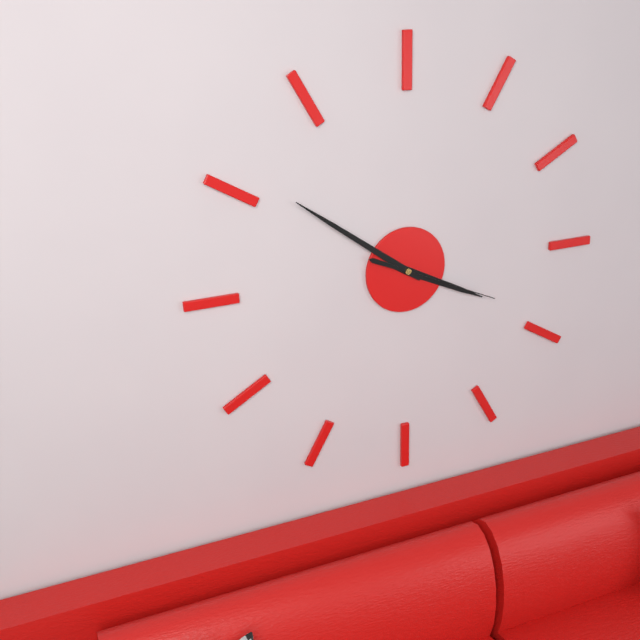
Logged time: **3:51:19**
